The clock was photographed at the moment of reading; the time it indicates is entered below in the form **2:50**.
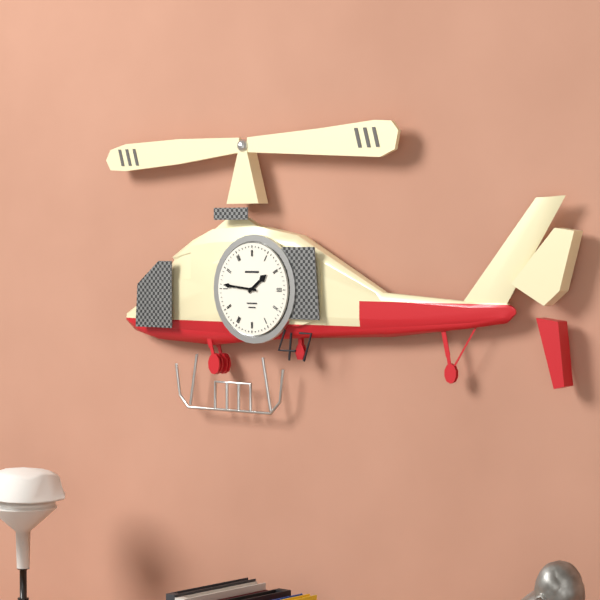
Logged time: **1:46**
